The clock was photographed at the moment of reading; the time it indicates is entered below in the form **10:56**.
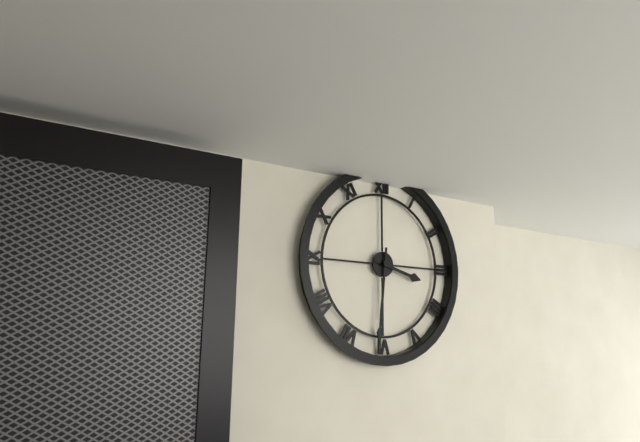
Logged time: **3:31**
